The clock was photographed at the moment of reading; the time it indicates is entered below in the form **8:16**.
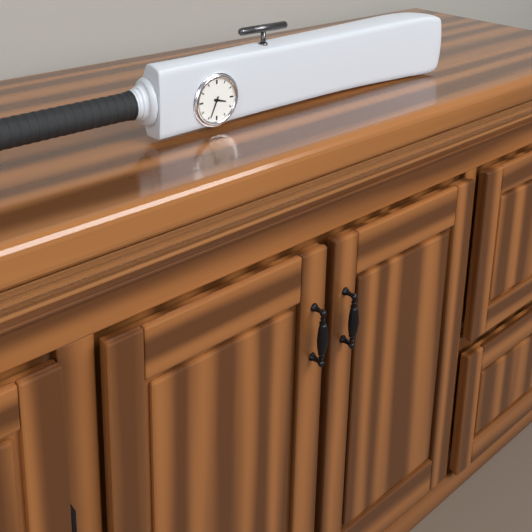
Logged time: **3:34**
